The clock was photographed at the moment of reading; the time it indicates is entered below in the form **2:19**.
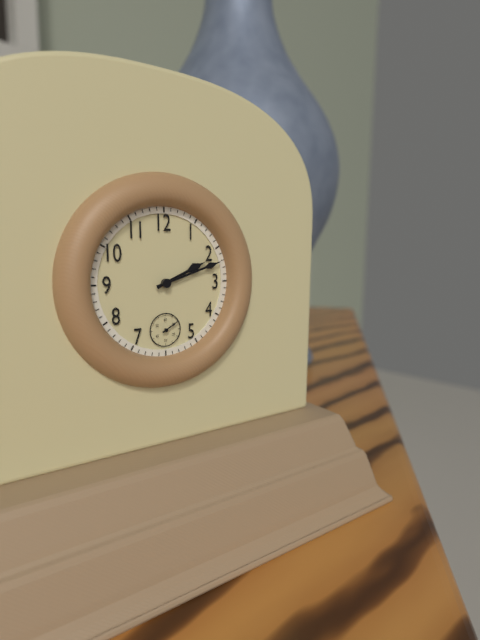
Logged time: **2:12**
